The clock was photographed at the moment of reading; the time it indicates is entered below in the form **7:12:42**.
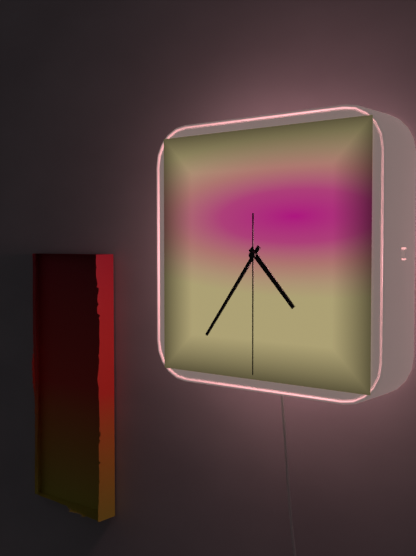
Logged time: **4:36:30**
